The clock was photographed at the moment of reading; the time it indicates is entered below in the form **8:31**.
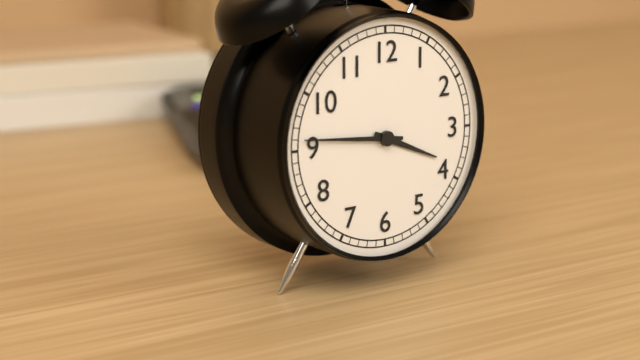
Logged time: **3:46**
